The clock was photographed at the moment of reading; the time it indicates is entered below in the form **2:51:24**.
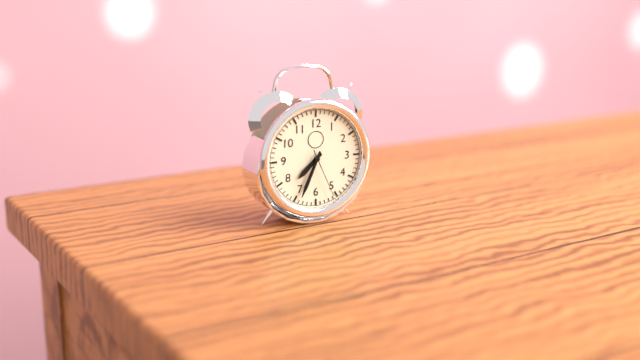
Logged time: **7:34:26**
